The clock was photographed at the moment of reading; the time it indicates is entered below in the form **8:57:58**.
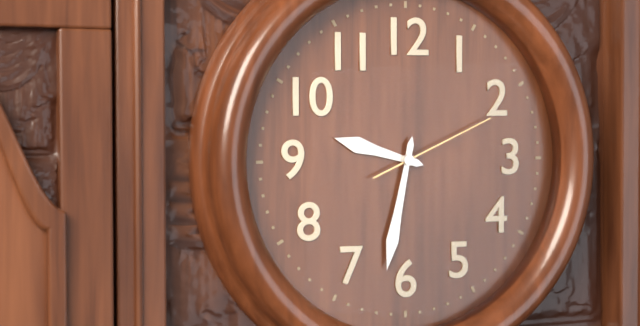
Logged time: **9:32:11**
